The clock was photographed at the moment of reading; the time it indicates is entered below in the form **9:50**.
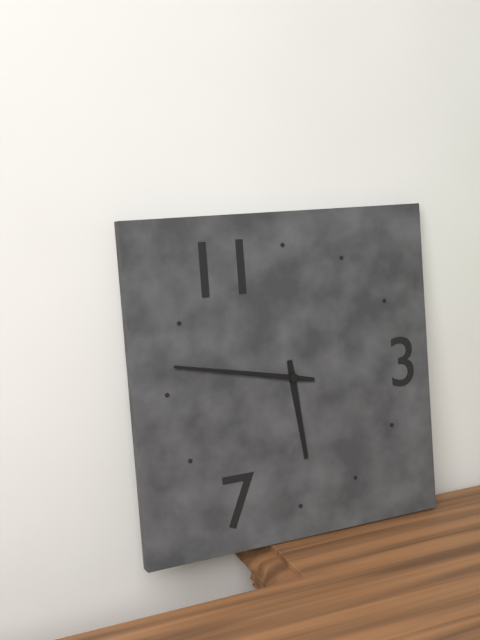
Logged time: **5:47**
